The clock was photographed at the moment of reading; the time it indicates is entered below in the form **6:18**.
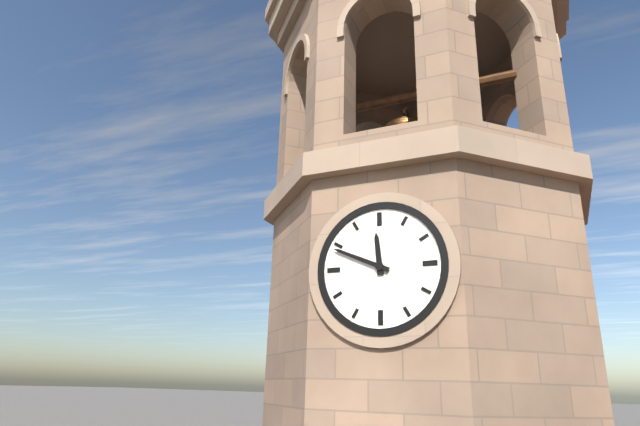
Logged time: **11:49**
